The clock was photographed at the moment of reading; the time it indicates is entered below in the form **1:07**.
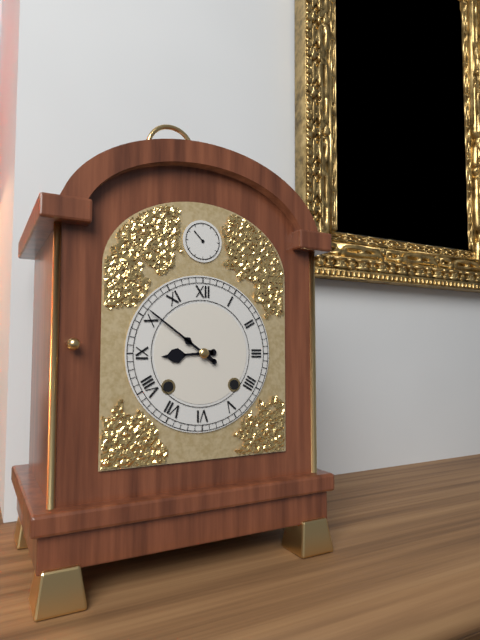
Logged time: **8:51**
